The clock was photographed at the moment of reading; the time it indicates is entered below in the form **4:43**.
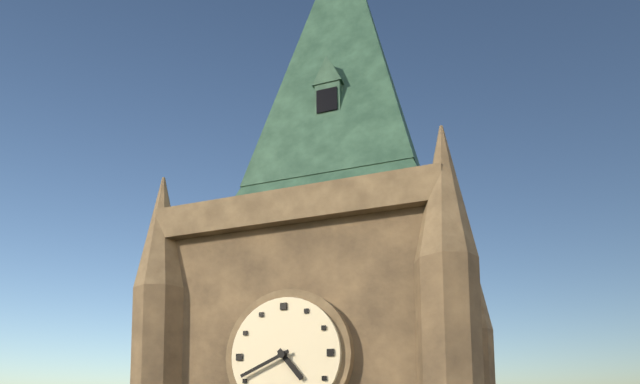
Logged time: **4:41**
